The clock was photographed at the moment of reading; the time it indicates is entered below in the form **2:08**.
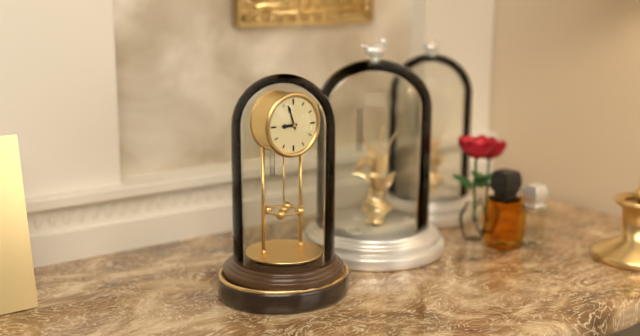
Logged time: **8:57**
